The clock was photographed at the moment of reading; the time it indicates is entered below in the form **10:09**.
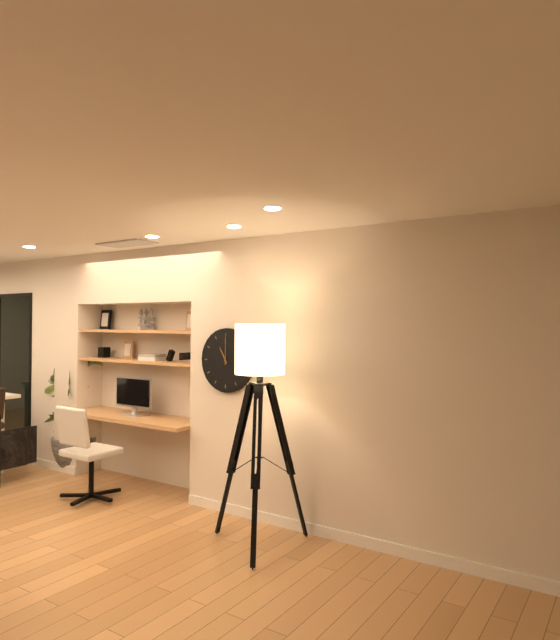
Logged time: **11:00**
